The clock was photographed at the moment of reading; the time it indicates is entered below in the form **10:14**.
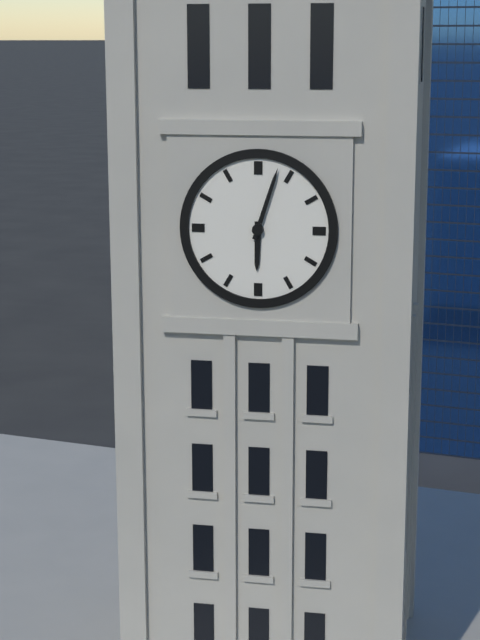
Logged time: **6:03**
